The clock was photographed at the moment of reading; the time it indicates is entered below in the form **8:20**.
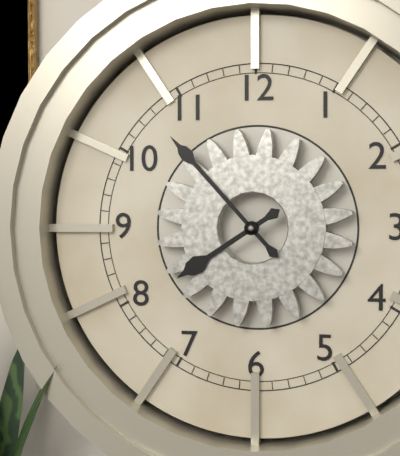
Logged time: **7:53**
